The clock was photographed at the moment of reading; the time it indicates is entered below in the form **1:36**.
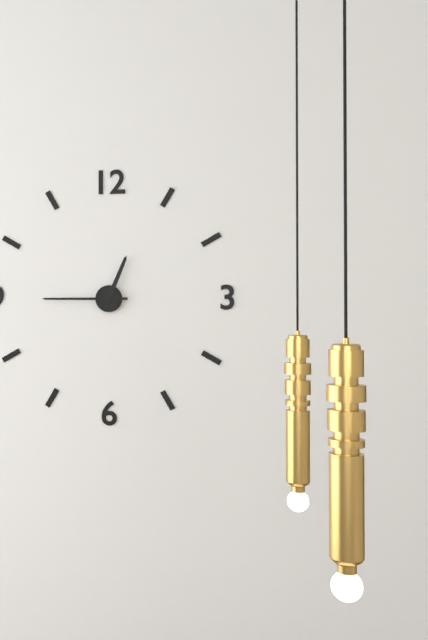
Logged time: **12:45**
